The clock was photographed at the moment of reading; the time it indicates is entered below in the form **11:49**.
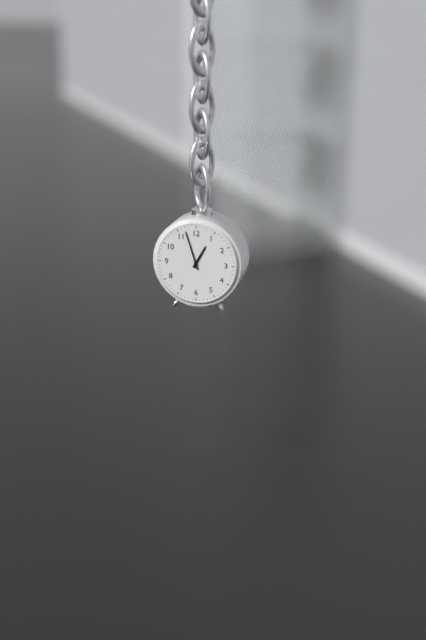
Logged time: **12:57**
